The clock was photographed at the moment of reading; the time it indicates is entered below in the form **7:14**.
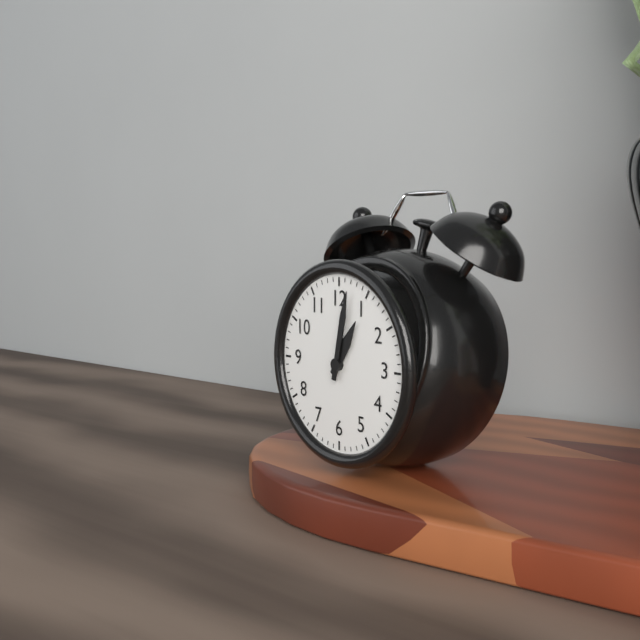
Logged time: **1:02**
